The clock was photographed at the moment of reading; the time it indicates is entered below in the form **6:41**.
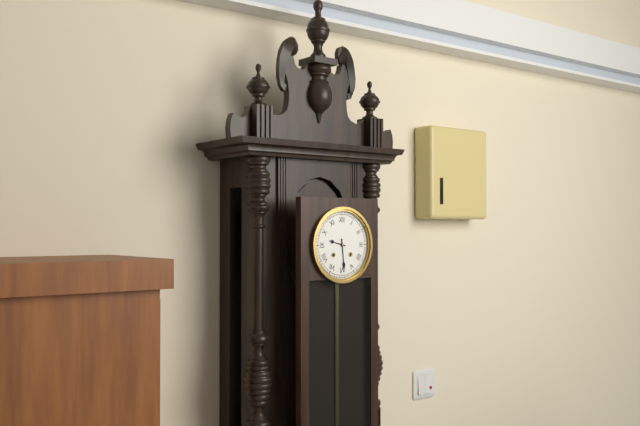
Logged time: **9:29**
